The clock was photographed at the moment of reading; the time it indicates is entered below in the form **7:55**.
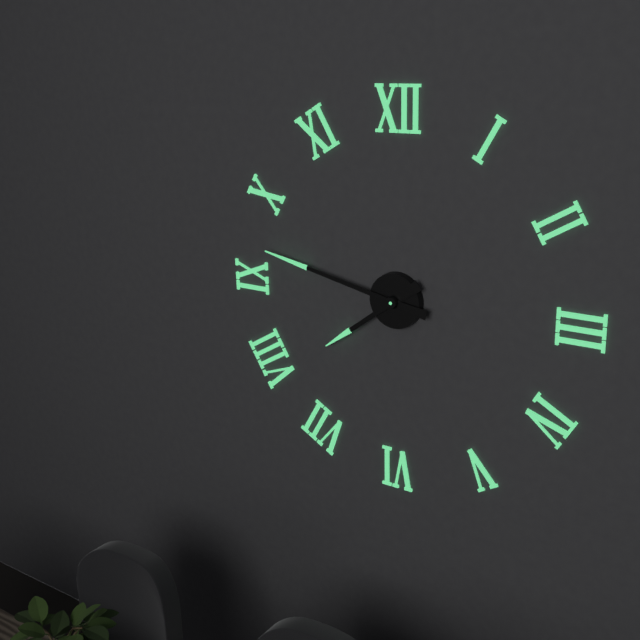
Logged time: **7:47**
